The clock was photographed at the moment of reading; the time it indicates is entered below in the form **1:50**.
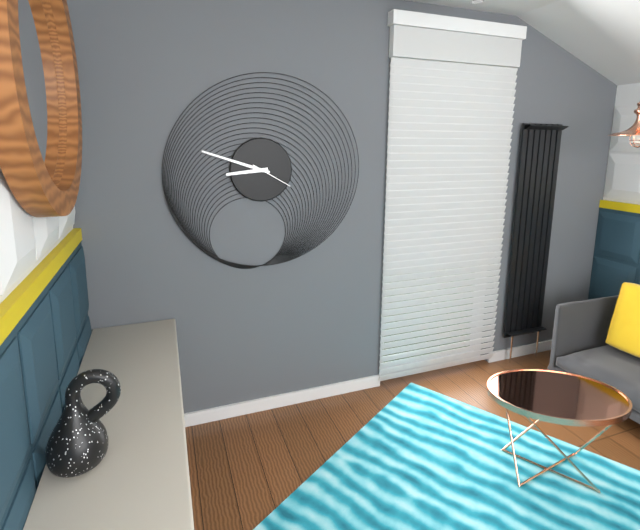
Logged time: **8:48**
